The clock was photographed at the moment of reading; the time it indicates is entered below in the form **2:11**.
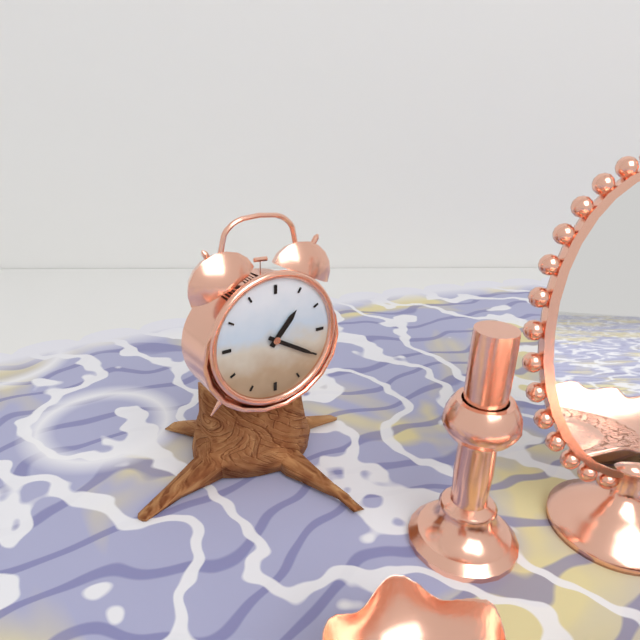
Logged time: **1:20**
